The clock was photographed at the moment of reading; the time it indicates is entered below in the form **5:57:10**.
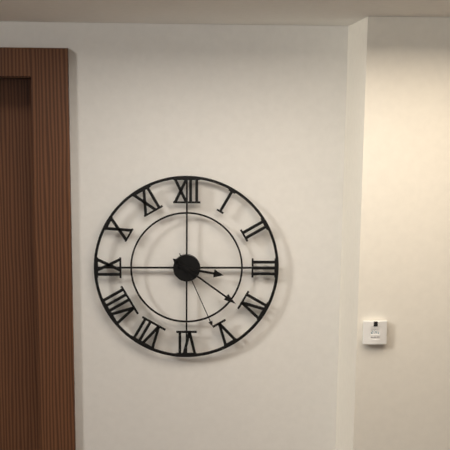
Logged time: **3:21:26**
